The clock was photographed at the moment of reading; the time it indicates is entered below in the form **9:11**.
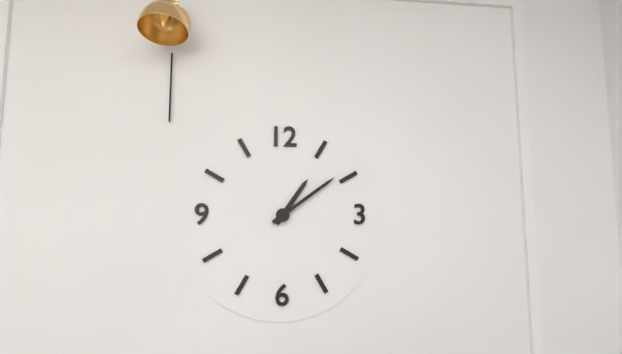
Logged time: **1:09**
